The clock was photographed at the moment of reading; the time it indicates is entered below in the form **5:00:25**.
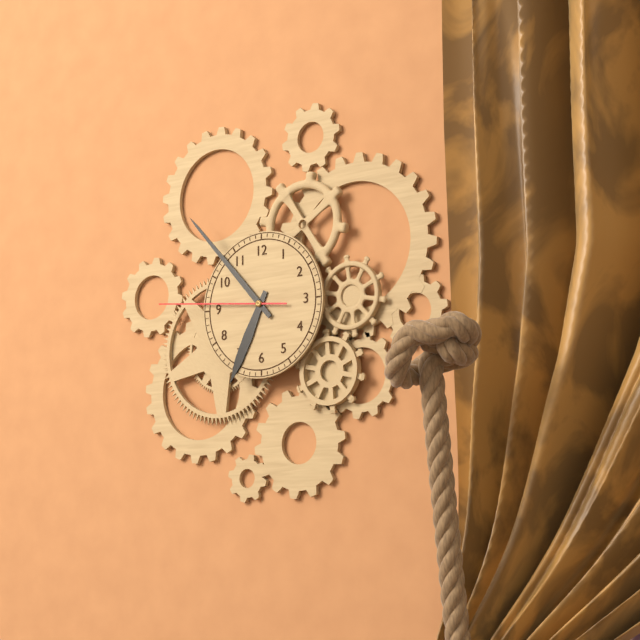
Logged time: **6:53:46**
